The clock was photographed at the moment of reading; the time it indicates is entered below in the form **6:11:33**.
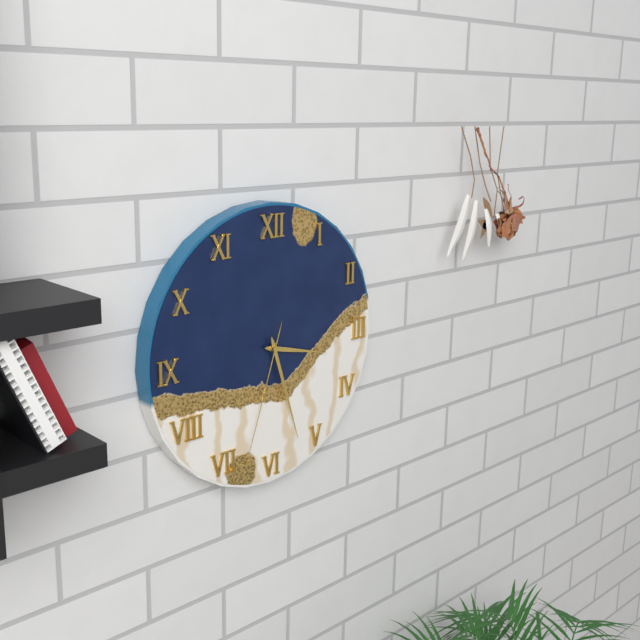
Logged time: **3:27:33**
